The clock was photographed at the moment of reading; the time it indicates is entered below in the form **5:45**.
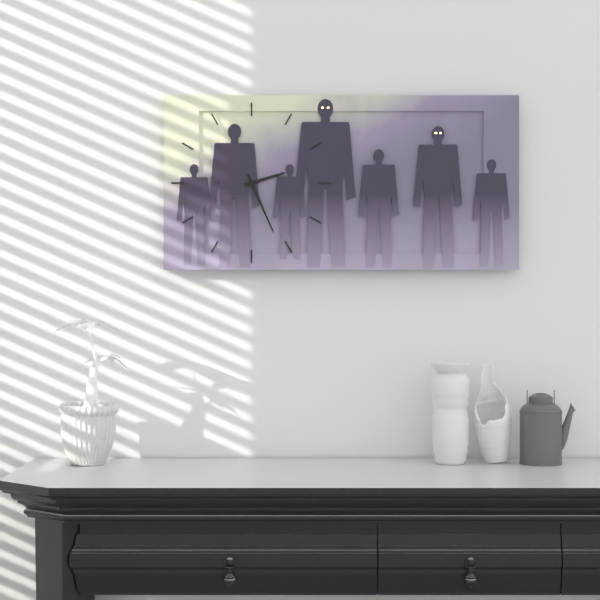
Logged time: **2:26**
